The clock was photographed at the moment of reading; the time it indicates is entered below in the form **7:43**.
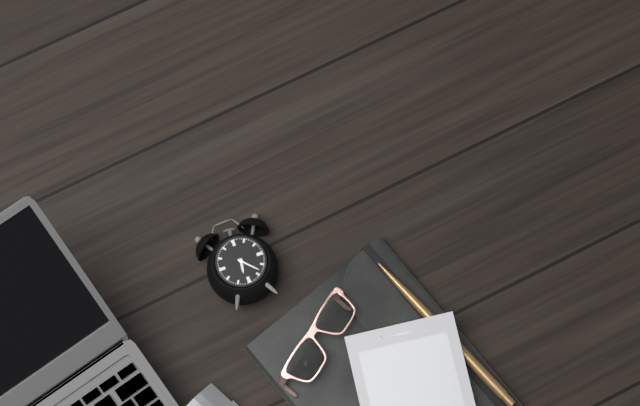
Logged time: **6:23**
